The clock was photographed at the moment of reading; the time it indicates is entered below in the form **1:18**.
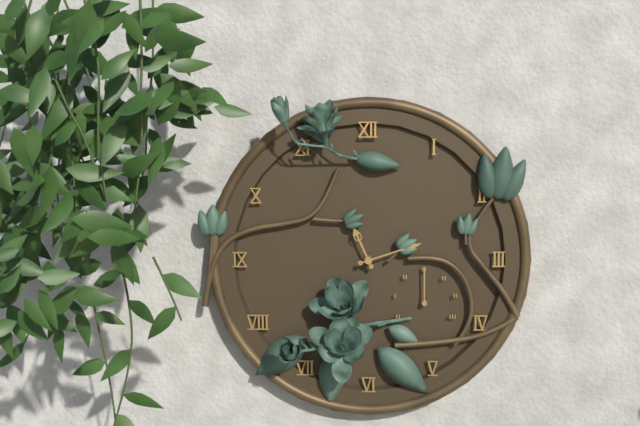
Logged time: **11:12**
